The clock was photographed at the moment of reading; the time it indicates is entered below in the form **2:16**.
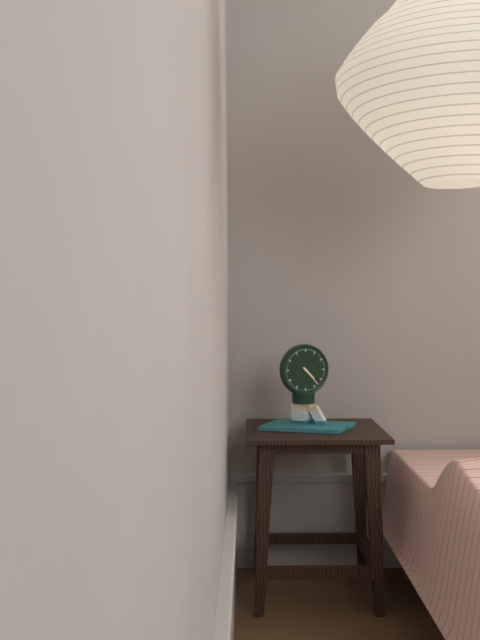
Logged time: **4:23**
